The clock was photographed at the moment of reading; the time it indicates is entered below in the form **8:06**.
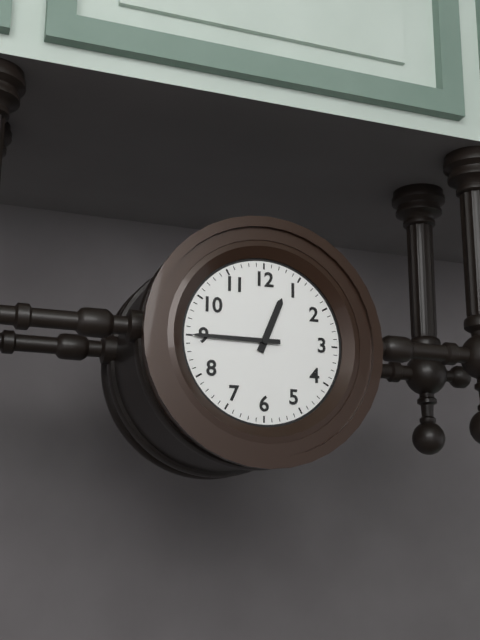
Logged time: **12:45**
